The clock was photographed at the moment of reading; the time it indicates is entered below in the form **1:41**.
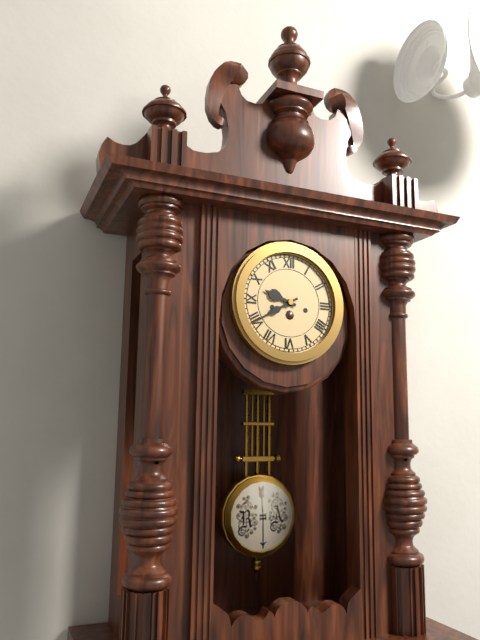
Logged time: **9:40**
